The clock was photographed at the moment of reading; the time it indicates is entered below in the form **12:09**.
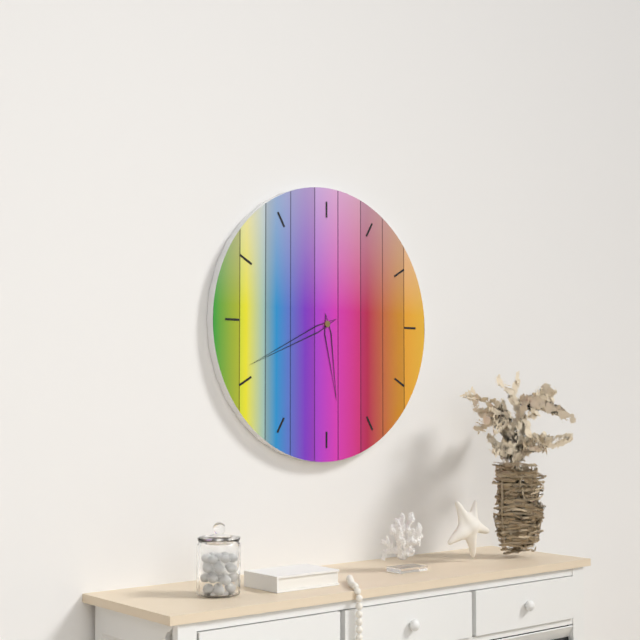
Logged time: **5:41**
